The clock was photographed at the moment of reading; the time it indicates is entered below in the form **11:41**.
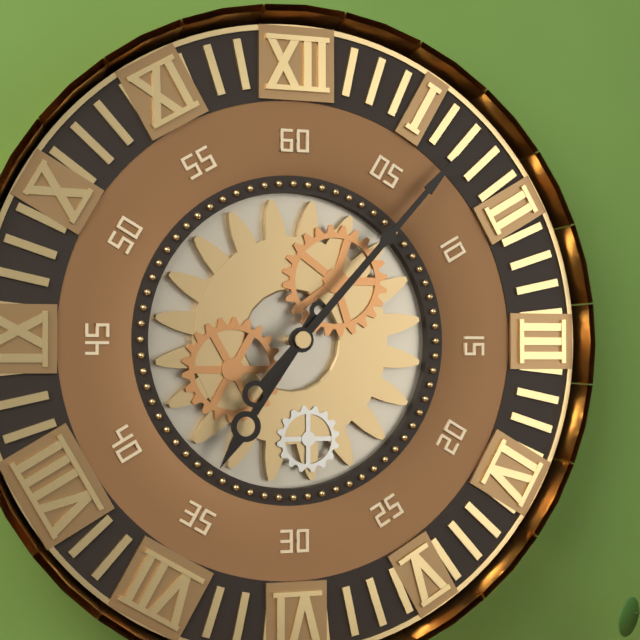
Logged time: **7:07**
